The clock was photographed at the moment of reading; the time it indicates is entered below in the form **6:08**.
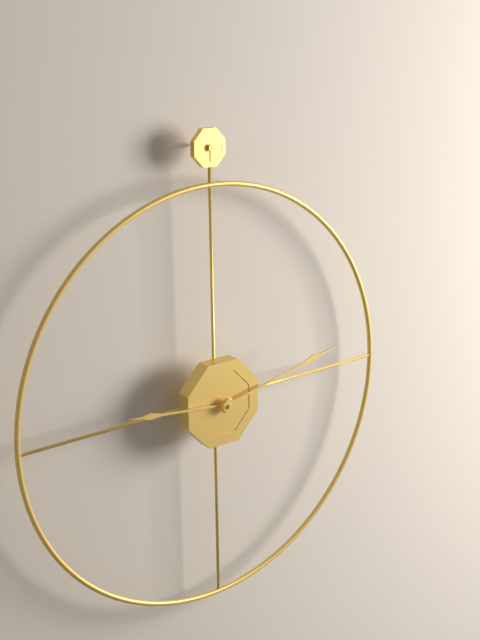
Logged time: **9:13**
